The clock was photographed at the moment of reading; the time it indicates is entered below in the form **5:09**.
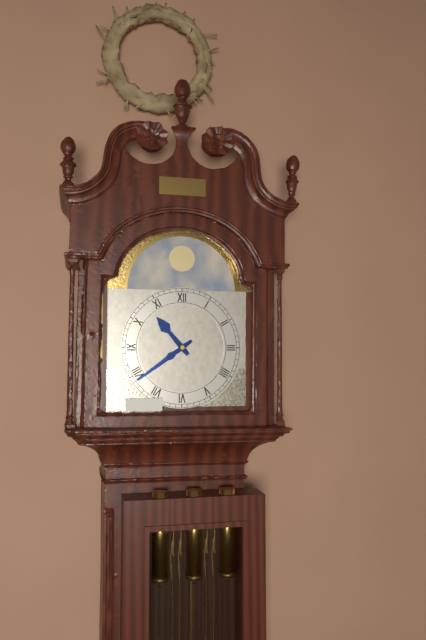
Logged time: **10:39**
